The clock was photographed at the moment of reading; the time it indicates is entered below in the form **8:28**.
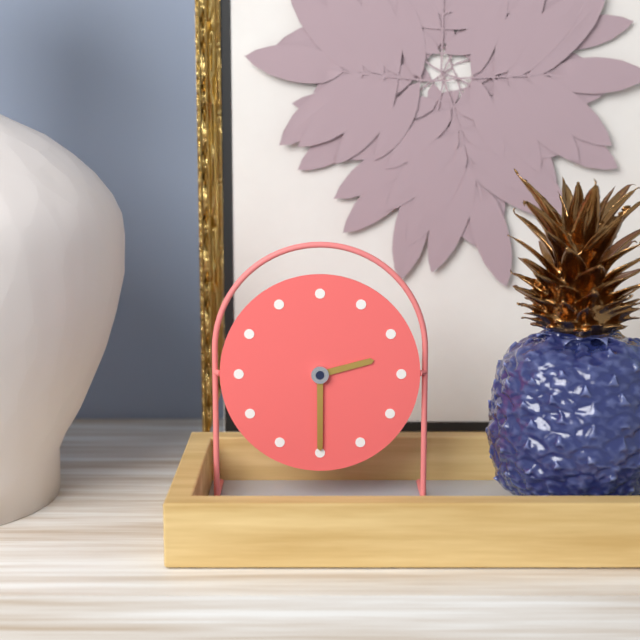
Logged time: **2:30**
